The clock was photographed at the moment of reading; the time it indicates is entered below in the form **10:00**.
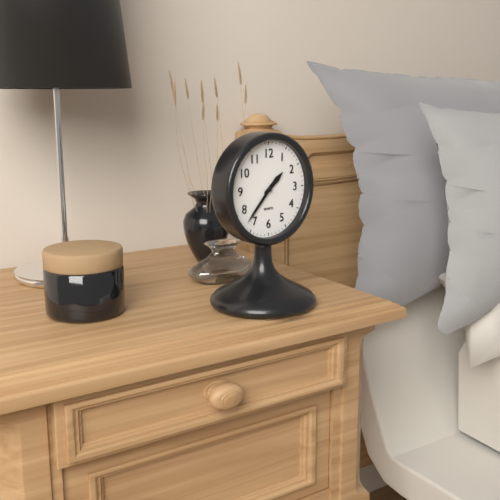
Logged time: **1:37**
